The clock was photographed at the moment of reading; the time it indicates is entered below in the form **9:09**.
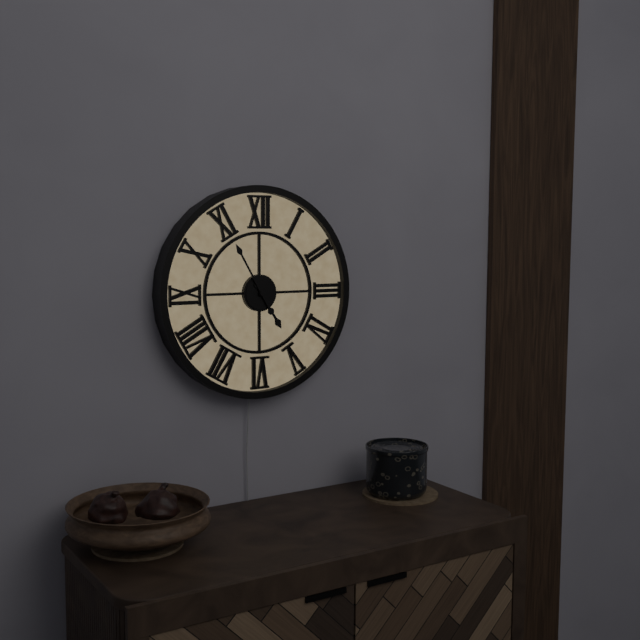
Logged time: **4:55**
